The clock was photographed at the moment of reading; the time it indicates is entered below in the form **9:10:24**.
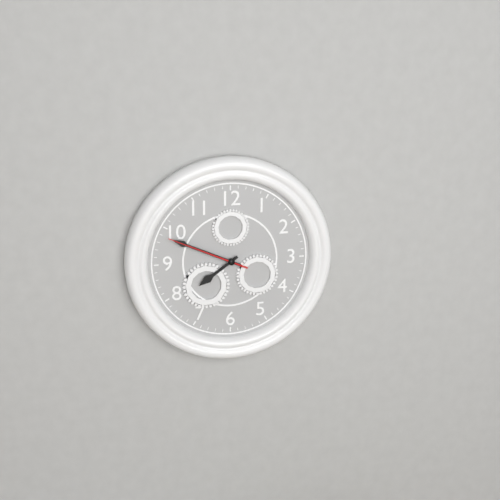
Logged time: **7:49:49**
